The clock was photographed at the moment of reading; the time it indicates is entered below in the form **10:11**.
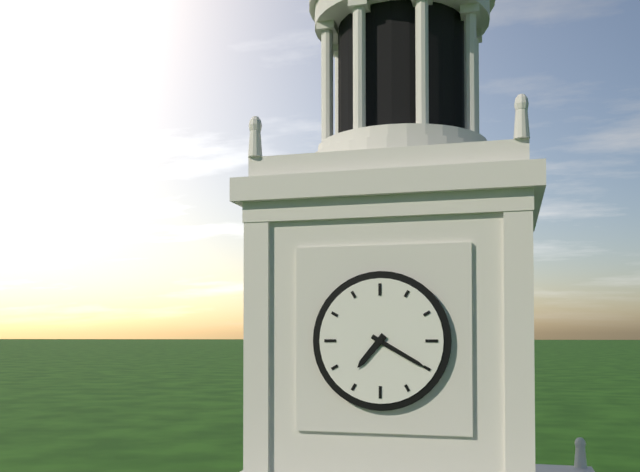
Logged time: **7:20**
